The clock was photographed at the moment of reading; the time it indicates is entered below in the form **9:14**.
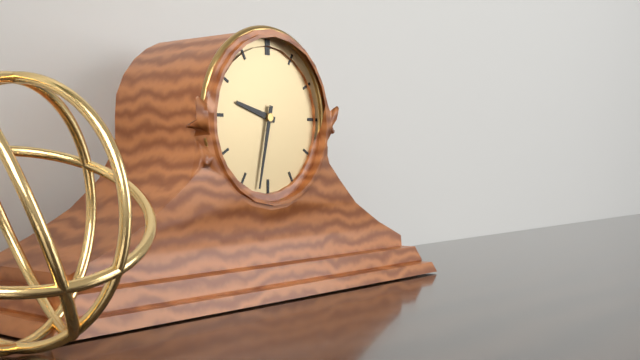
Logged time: **9:32**
